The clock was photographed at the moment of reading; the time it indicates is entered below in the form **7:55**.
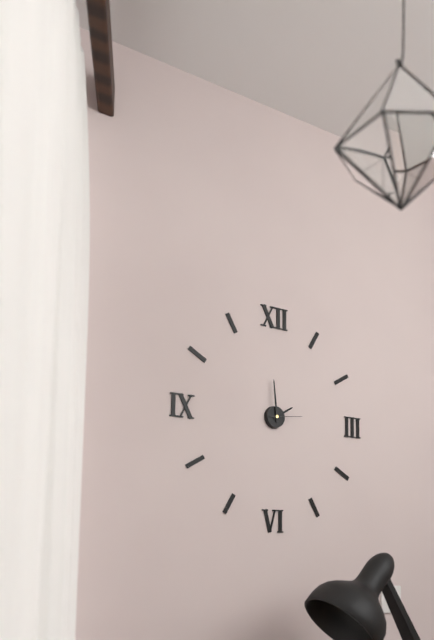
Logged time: **1:59**
